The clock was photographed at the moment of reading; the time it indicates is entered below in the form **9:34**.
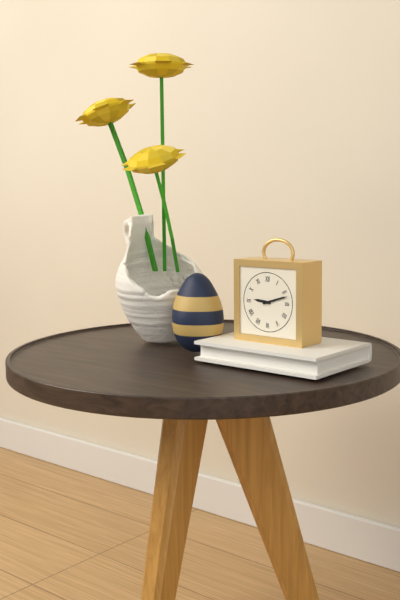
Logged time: **9:12**
